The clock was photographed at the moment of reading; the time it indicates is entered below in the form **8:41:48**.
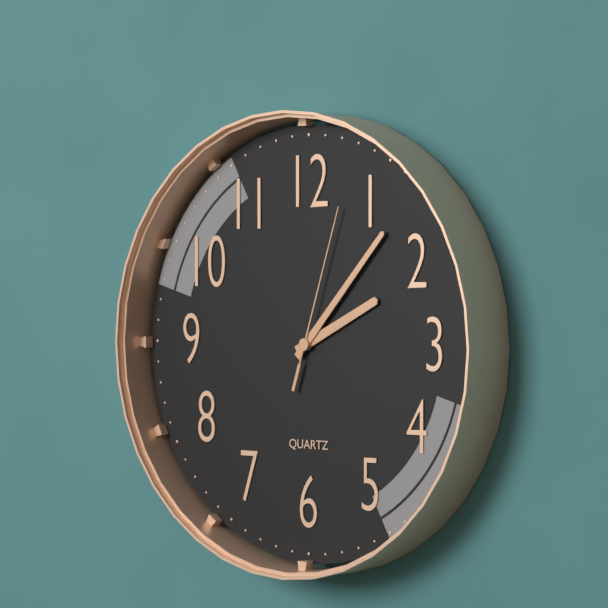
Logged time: **2:07:03**
